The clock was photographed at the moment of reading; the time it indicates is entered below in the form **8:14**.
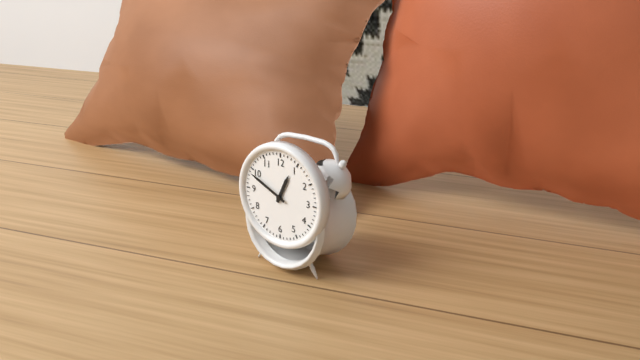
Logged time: **12:49**
